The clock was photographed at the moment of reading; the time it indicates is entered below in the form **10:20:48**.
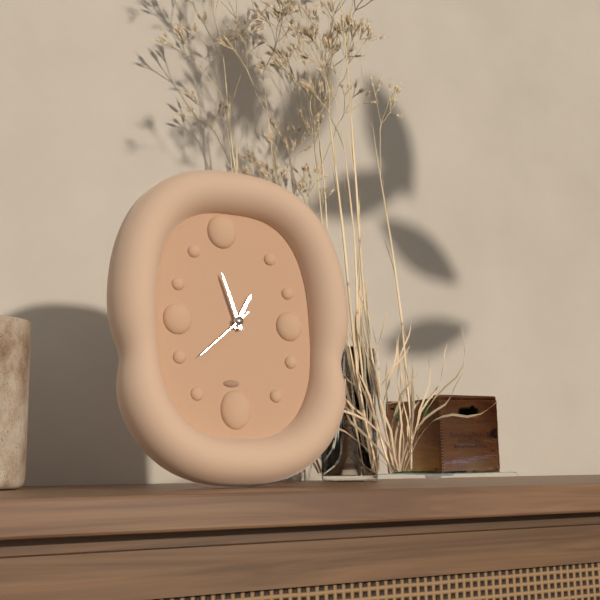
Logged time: **12:57:38**
